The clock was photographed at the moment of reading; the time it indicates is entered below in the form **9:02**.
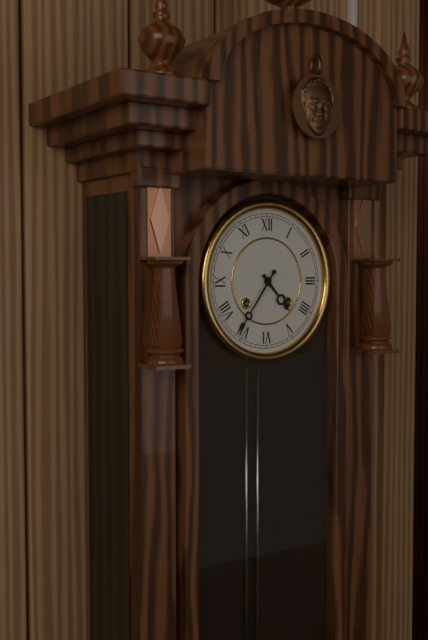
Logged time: **4:36**
